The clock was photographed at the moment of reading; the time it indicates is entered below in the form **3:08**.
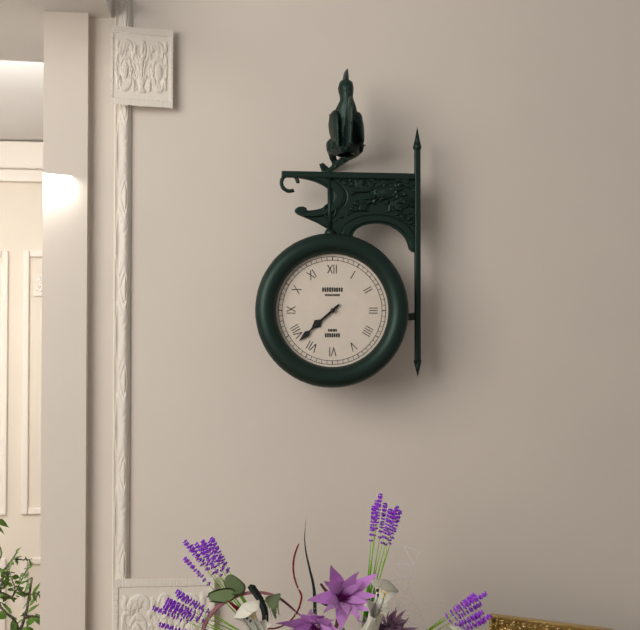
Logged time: **7:38**
